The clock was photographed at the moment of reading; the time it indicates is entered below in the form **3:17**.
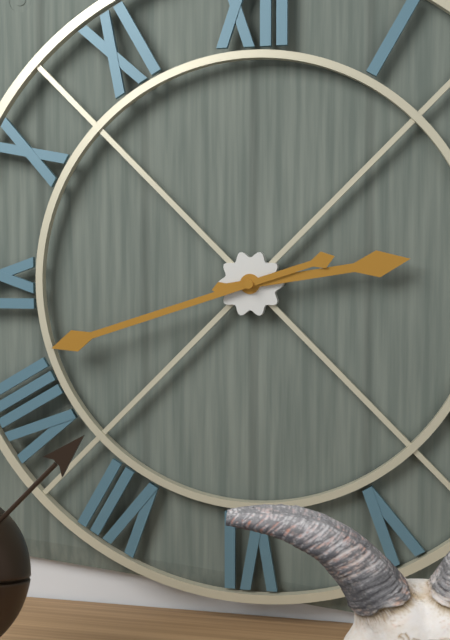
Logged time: **2:42**
